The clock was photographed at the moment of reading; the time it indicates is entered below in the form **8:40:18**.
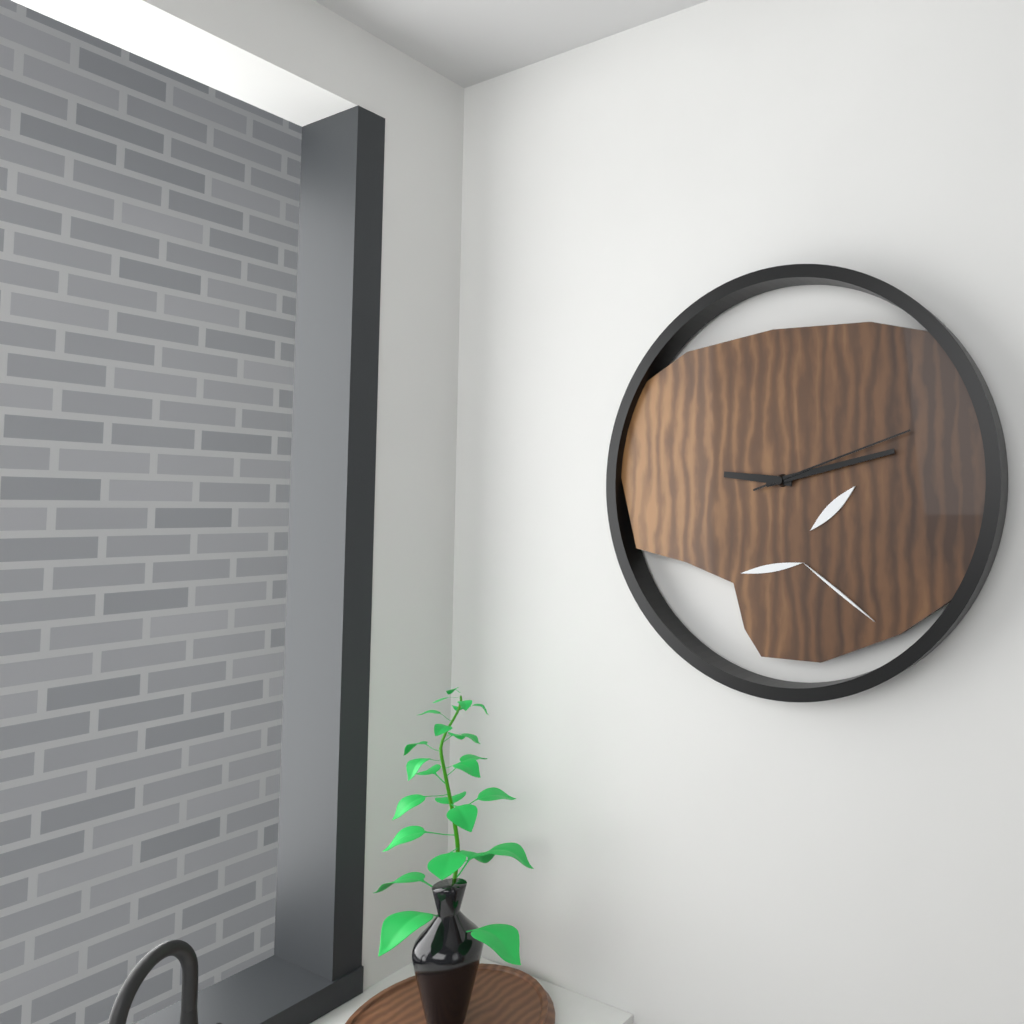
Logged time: **9:13:12**
